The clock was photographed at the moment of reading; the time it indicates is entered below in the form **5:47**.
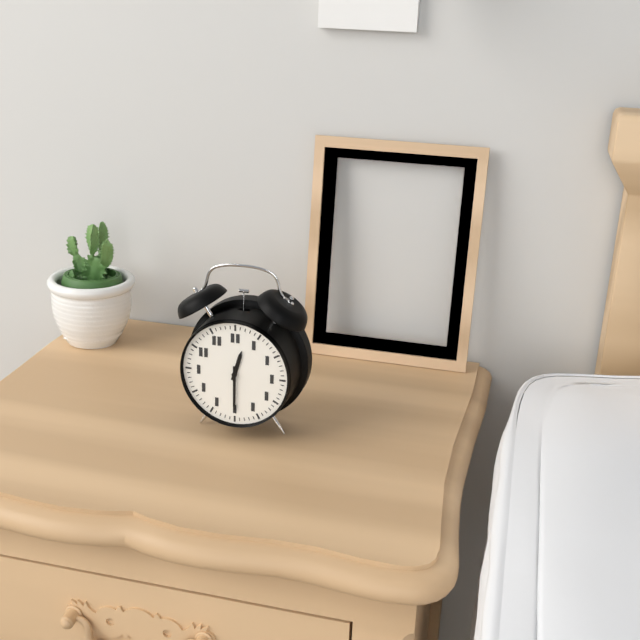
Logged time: **12:30**
